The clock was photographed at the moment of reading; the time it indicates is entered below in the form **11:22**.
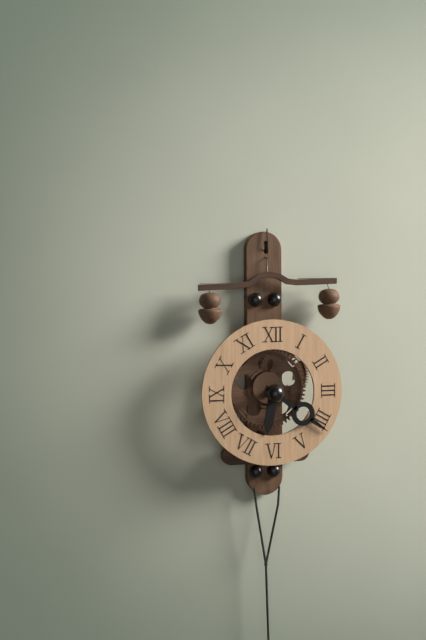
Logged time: **6:21**
